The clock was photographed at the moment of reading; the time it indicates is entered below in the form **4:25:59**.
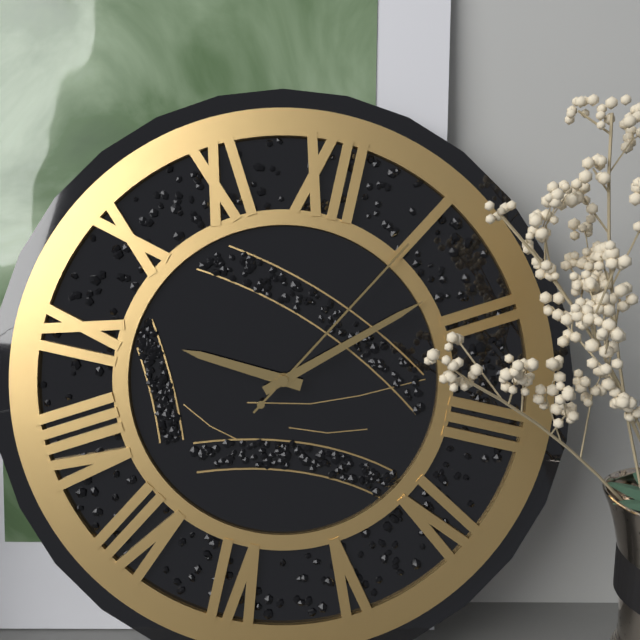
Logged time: **9:08:05**
